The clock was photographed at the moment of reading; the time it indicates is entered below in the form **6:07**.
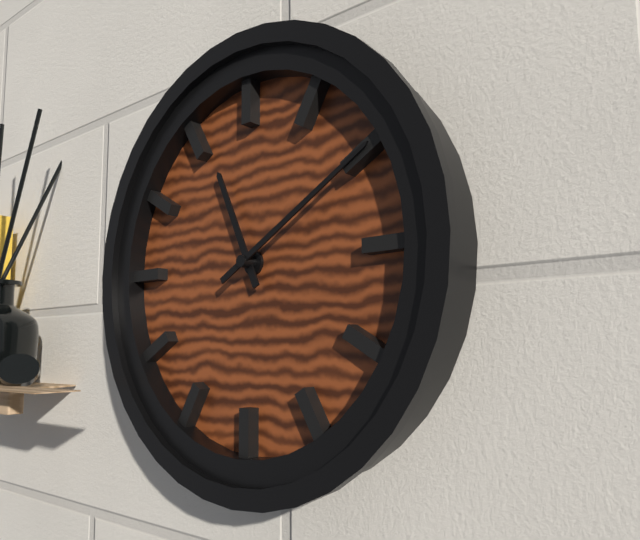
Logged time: **11:10**
